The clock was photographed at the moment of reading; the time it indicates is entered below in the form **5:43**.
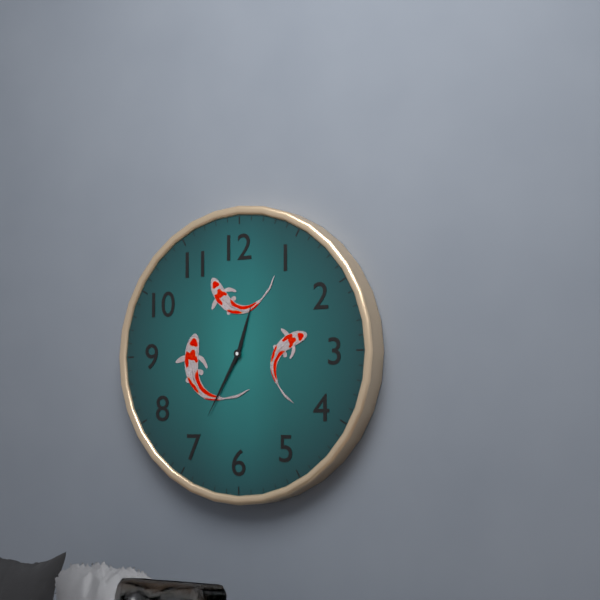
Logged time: **12:35**
